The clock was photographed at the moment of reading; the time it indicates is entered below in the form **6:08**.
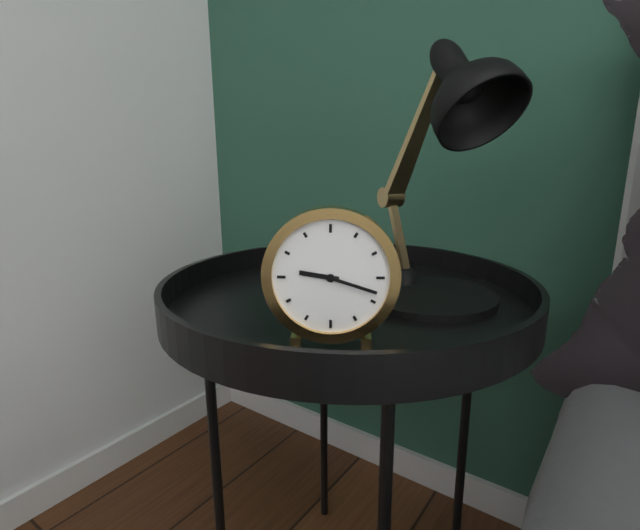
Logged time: **9:18**
